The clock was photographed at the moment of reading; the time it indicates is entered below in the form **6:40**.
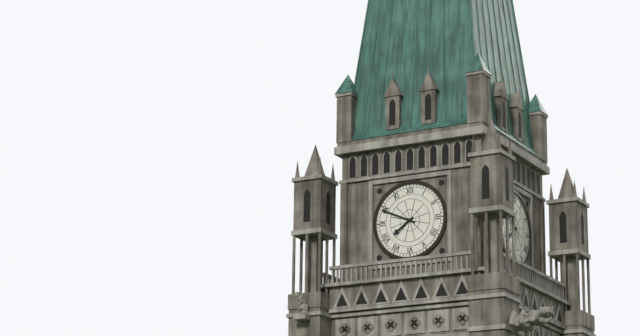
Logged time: **7:49**
